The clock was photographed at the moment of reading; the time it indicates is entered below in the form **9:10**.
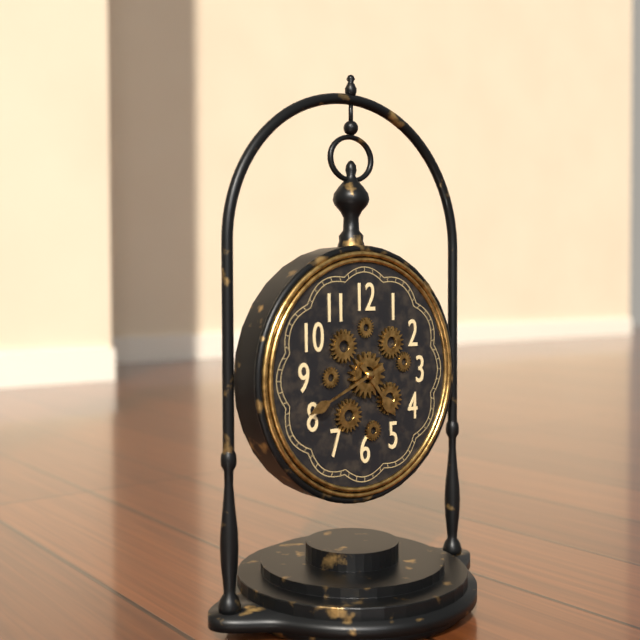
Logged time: **4:41**
